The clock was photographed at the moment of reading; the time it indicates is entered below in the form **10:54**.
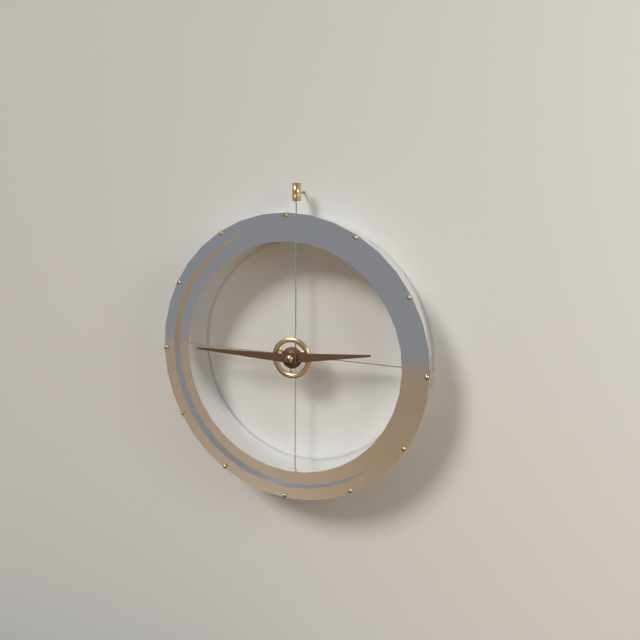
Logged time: **2:45**
